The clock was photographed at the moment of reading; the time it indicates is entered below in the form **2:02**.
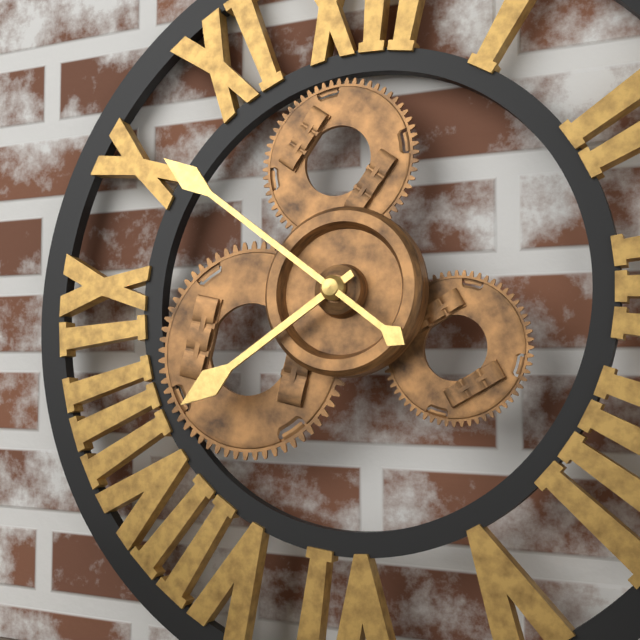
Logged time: **7:51**
